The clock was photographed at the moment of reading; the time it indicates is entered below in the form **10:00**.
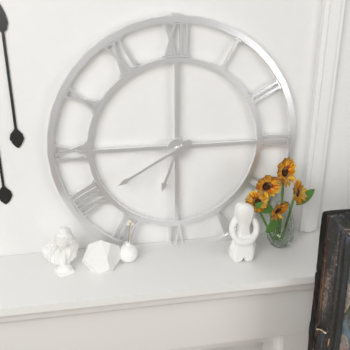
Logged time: **6:40**
